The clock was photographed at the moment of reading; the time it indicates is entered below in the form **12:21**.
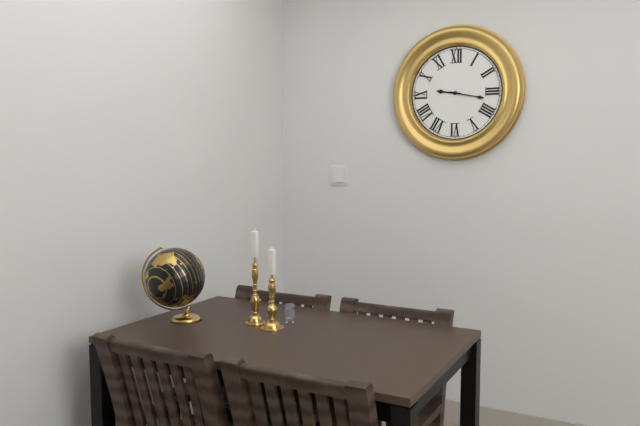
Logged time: **9:17**
